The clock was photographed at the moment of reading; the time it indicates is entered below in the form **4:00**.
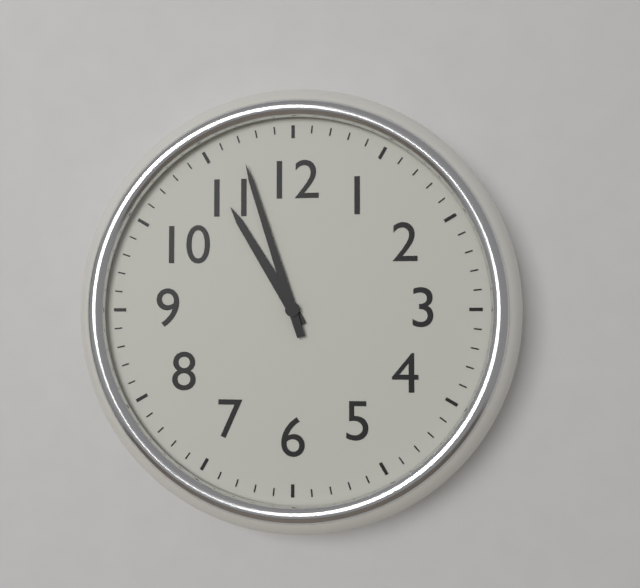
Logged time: **10:57**
